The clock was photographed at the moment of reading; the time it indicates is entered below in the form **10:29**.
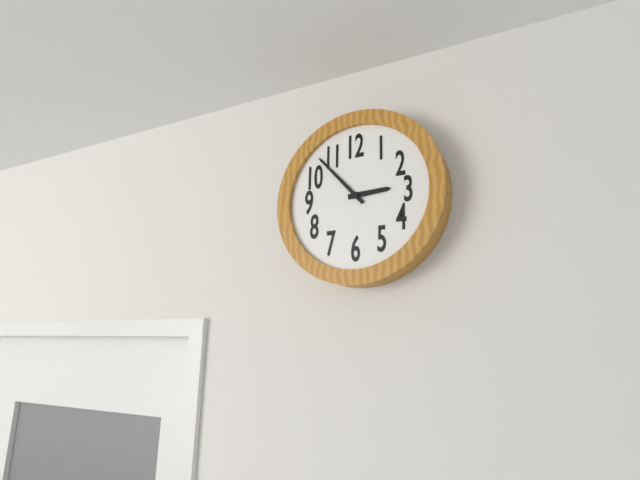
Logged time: **2:53**
